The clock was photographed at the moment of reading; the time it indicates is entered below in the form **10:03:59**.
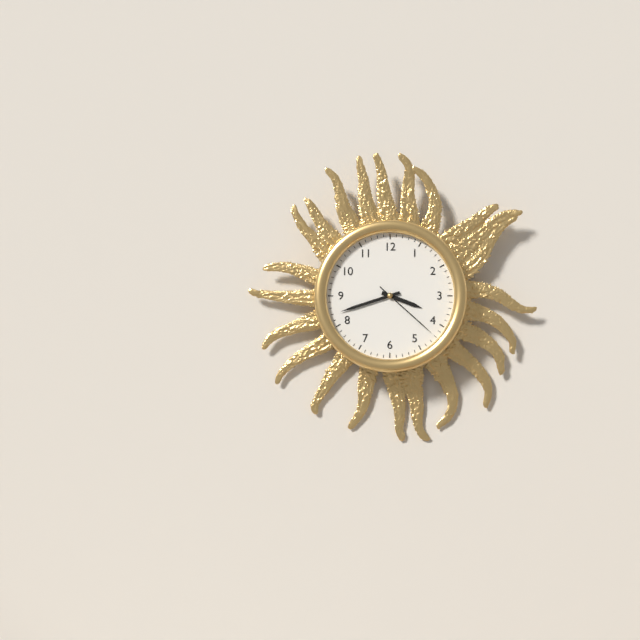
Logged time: **3:42:22**
